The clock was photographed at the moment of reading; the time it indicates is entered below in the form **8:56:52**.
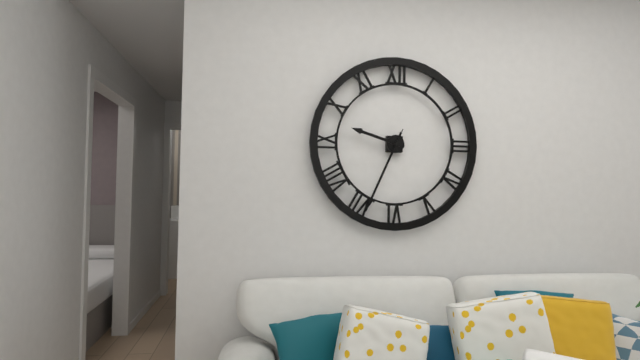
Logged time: **9:34:34**
